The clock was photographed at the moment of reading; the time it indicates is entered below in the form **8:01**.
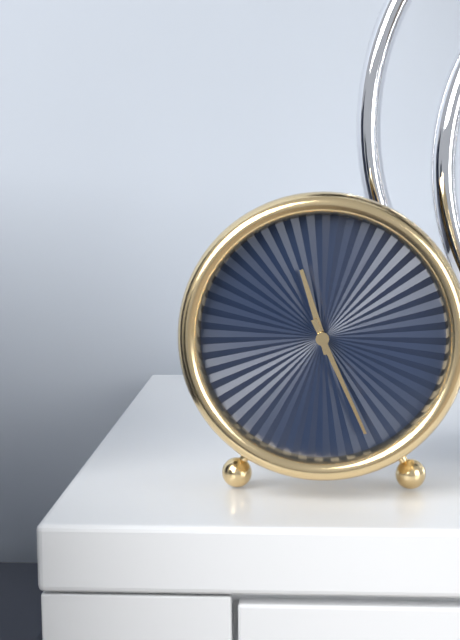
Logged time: **11:26**
